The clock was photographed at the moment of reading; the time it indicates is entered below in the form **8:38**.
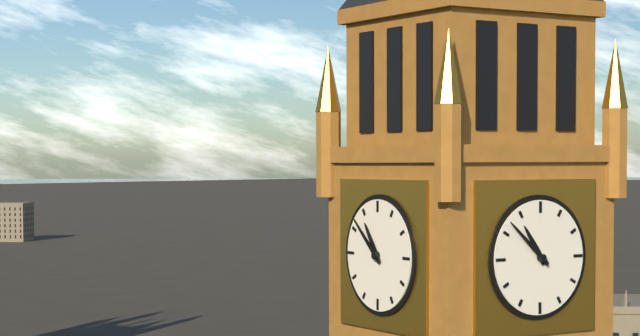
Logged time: **10:52**
